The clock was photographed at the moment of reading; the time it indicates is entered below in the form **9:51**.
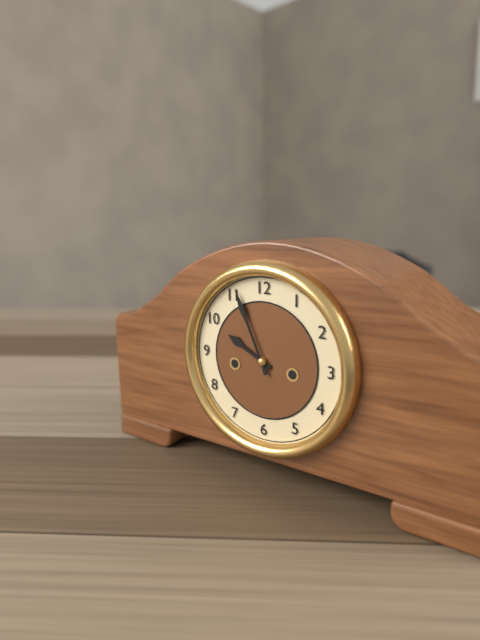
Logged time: **9:56**
